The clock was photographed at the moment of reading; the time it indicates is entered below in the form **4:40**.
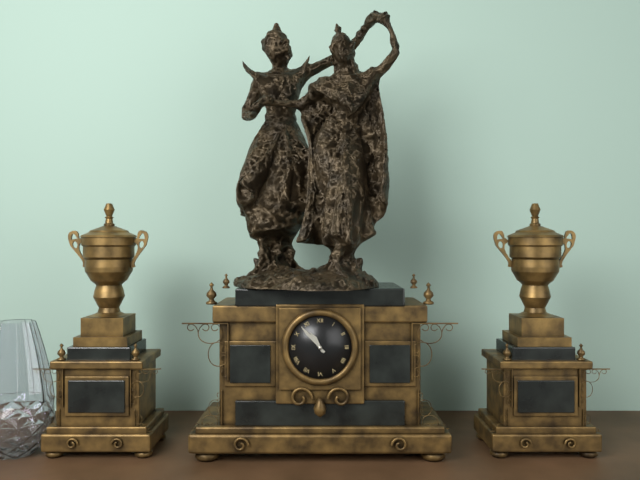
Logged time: **10:53**
